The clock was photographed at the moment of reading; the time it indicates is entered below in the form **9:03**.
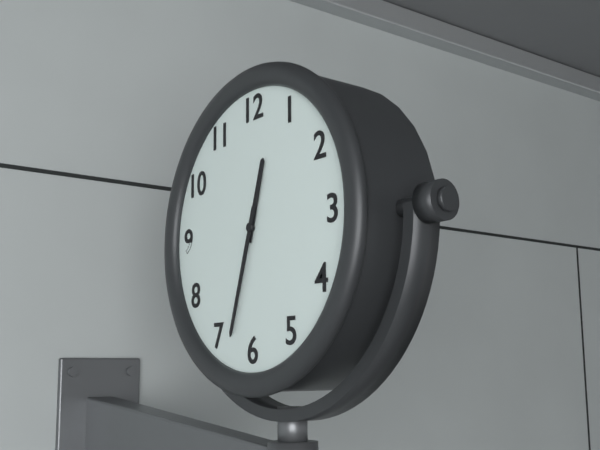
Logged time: **12:33**
